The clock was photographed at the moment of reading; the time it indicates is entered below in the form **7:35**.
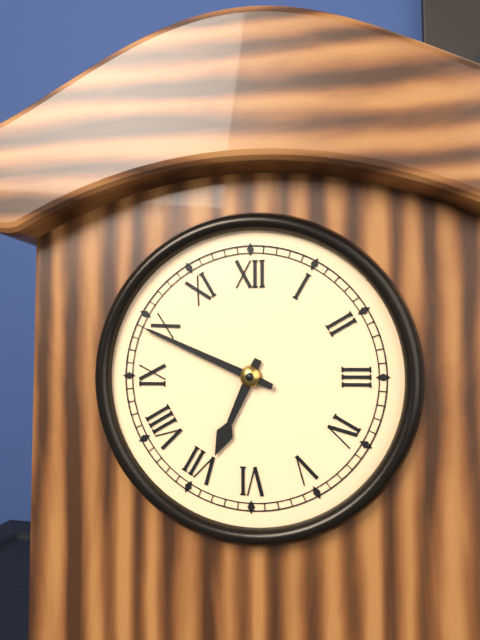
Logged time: **6:49**
